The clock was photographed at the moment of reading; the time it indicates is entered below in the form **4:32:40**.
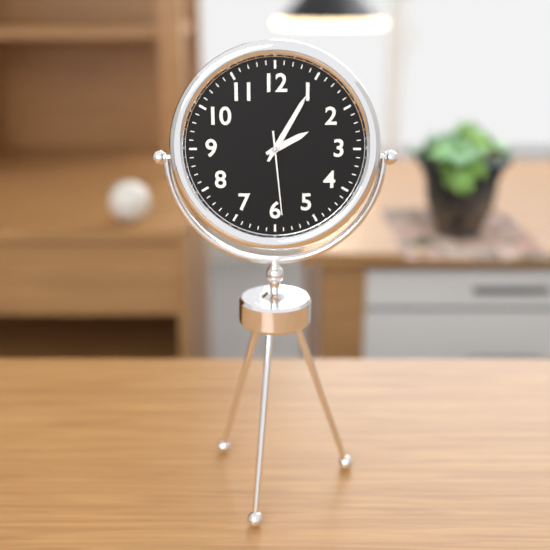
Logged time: **2:05:29**
